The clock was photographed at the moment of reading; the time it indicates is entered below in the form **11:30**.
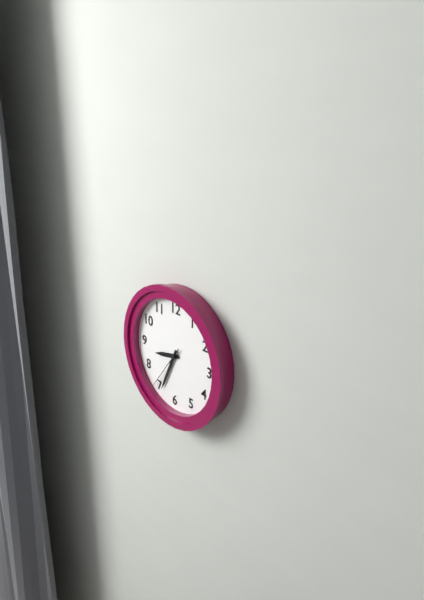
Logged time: **8:34**
